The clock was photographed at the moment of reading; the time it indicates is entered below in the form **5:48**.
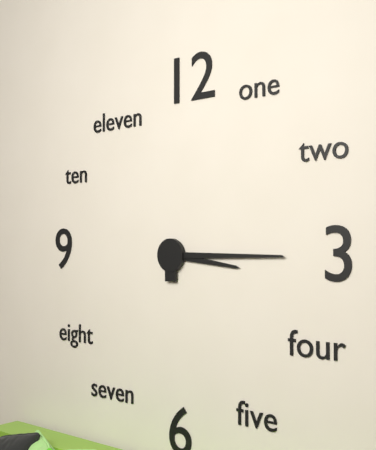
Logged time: **3:15**
